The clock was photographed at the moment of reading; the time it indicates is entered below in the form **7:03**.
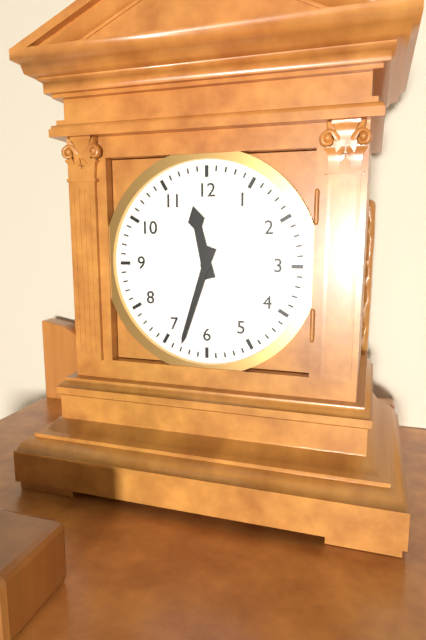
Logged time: **11:33**
